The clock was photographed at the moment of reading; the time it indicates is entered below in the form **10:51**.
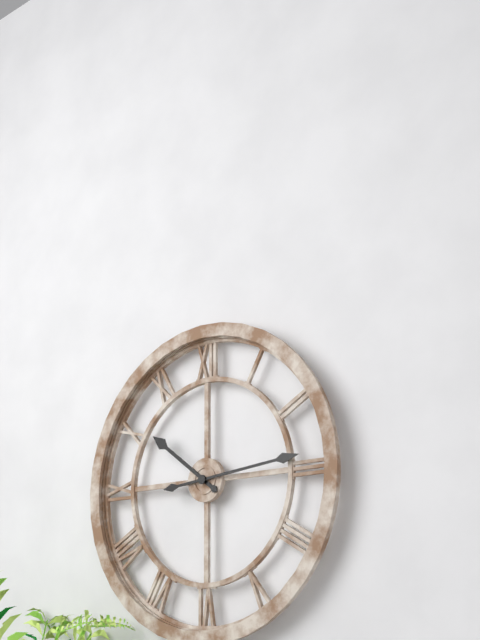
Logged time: **10:14**
